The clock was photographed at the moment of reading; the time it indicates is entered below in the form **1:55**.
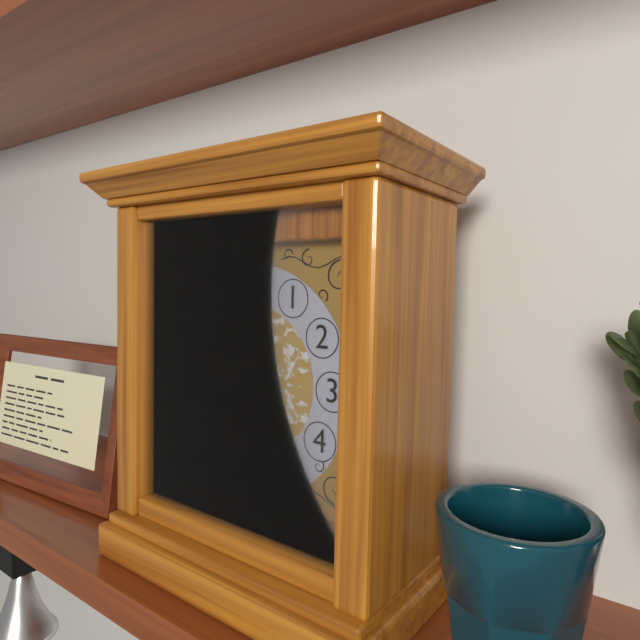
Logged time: **8:51**
